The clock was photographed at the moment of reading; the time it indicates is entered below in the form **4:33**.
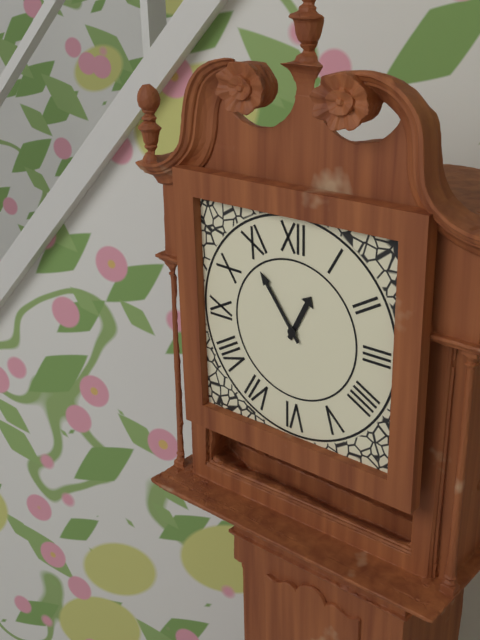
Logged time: **12:54**
